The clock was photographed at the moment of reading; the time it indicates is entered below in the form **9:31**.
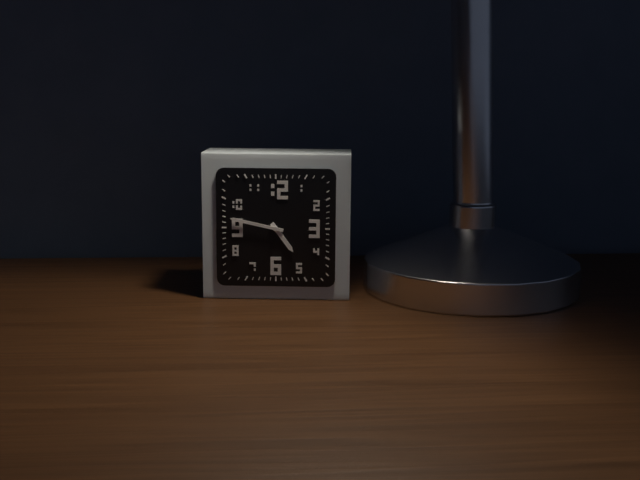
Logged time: **4:47**
